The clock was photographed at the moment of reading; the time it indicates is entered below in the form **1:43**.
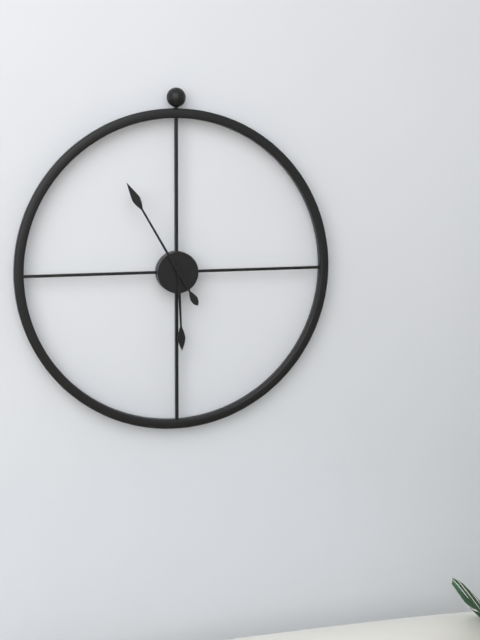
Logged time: **5:55**
